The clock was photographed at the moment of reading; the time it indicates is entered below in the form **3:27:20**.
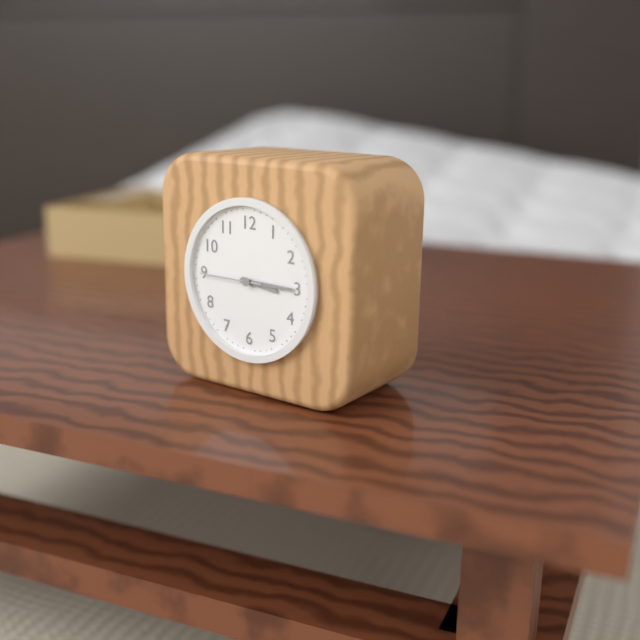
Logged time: **3:15:45**
